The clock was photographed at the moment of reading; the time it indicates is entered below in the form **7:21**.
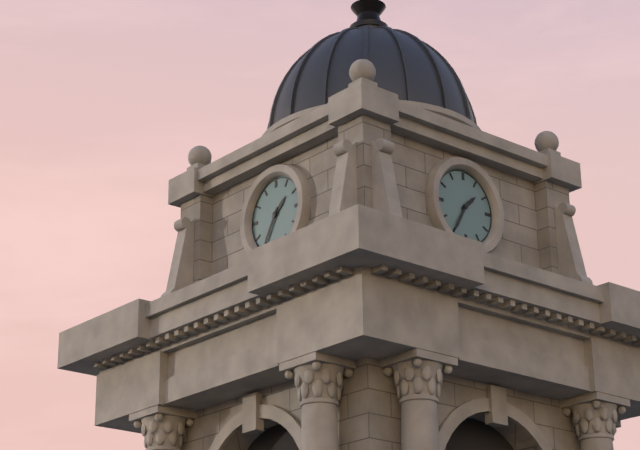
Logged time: **1:35**
